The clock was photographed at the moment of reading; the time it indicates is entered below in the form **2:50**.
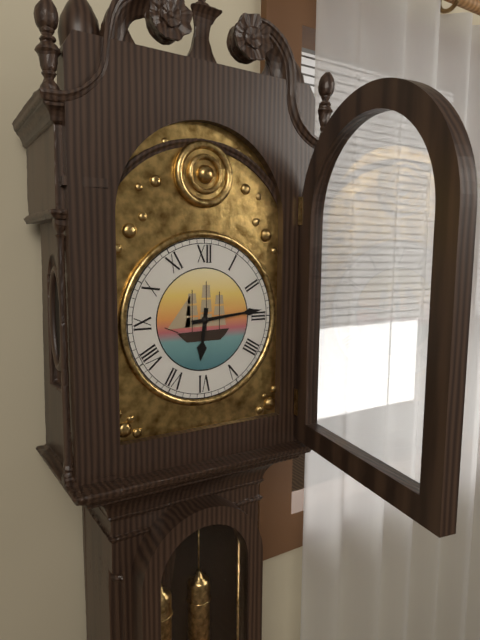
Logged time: **6:14**
